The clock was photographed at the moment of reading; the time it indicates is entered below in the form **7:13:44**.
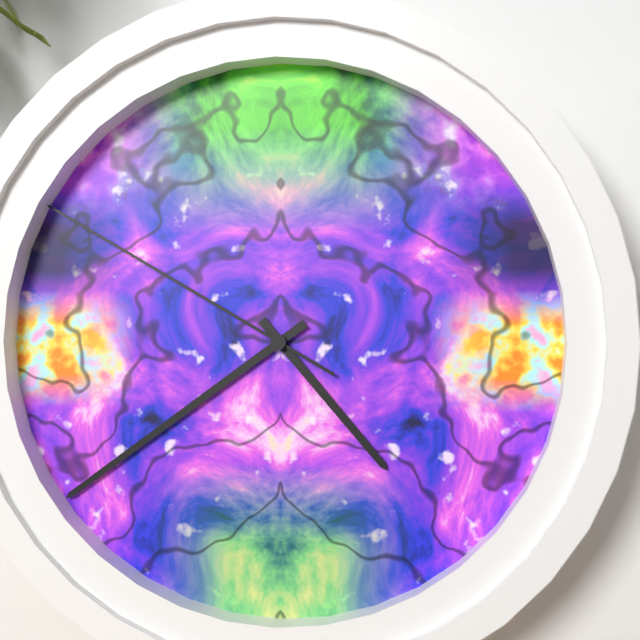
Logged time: **4:39:50**
